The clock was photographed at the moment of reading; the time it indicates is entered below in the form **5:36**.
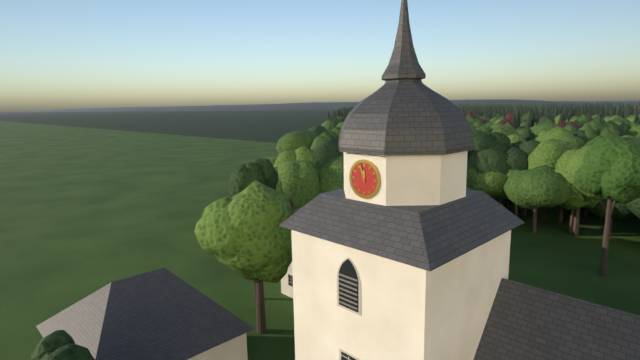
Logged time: **11:57**
